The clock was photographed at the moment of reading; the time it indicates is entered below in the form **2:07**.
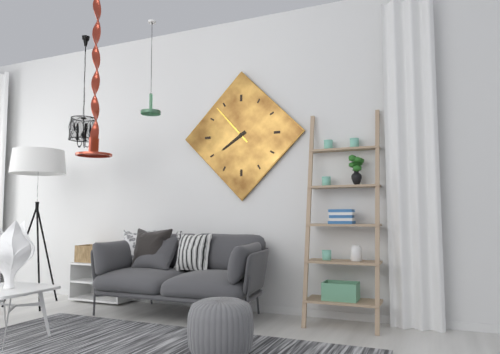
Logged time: **7:53**
